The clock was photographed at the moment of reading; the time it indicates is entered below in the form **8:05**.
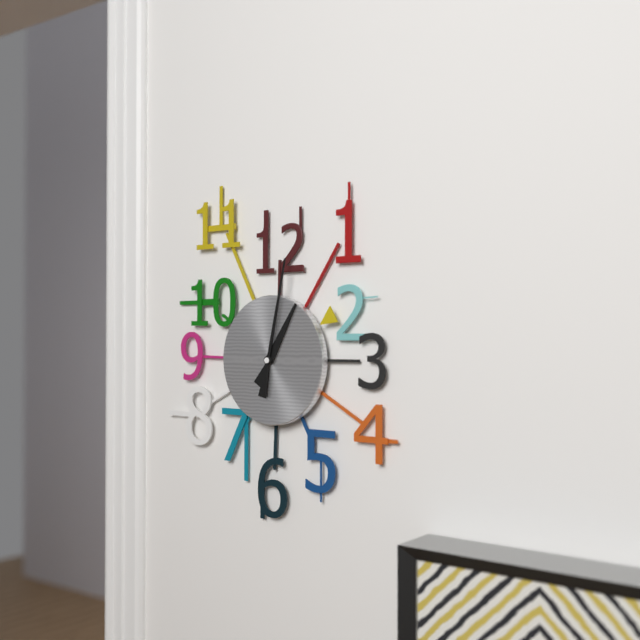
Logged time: **1:02**
